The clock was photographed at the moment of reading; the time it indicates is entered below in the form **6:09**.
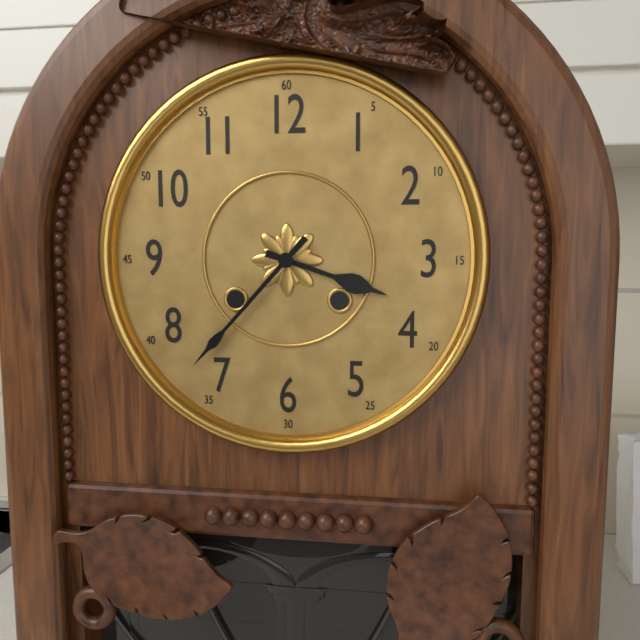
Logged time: **3:37**
